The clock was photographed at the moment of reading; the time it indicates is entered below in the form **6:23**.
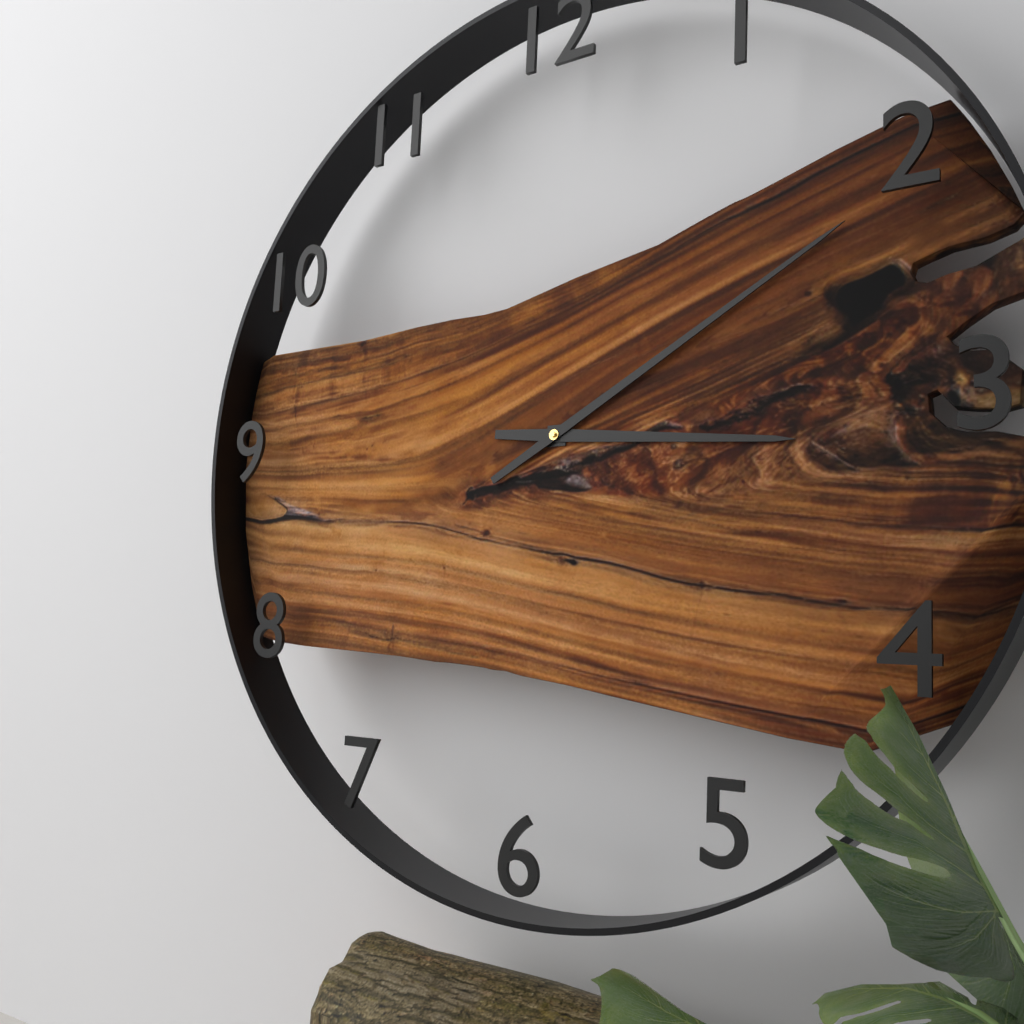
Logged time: **3:10**
